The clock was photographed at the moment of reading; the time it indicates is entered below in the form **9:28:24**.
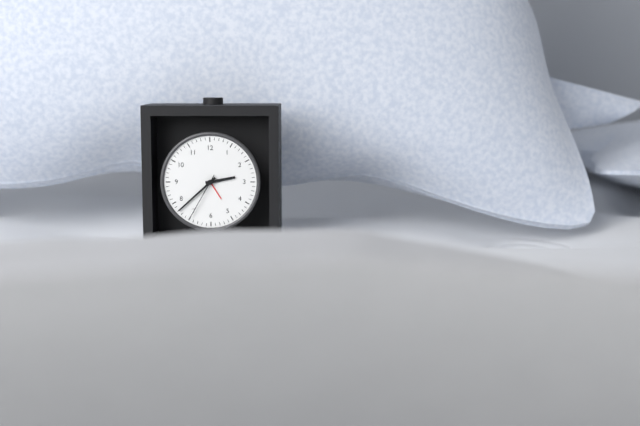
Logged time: **2:38:35**
